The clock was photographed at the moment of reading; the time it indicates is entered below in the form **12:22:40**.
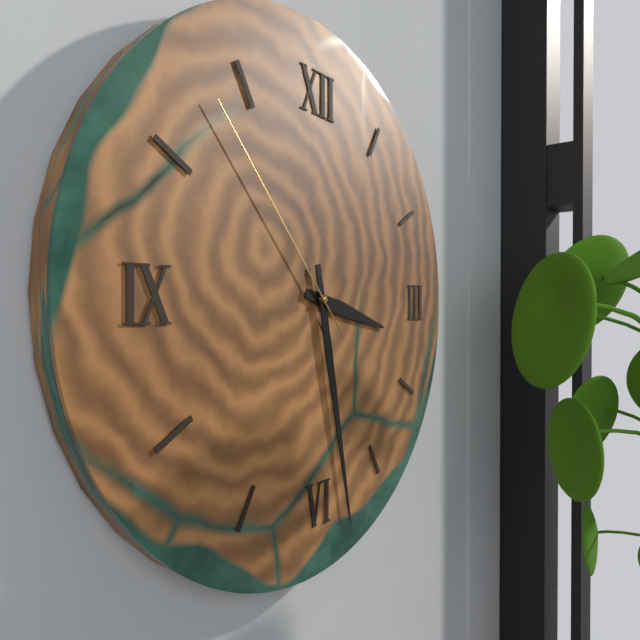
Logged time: **3:28:53**
